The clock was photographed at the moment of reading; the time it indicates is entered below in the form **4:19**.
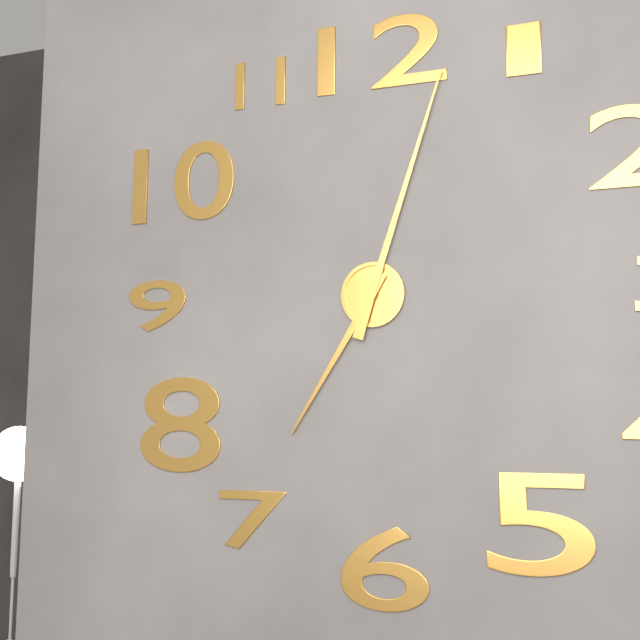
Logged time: **7:03**
